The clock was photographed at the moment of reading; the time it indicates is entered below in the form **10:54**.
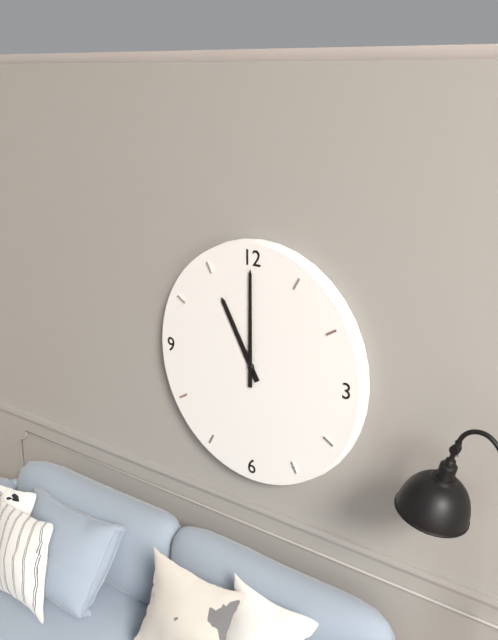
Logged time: **11:00**
